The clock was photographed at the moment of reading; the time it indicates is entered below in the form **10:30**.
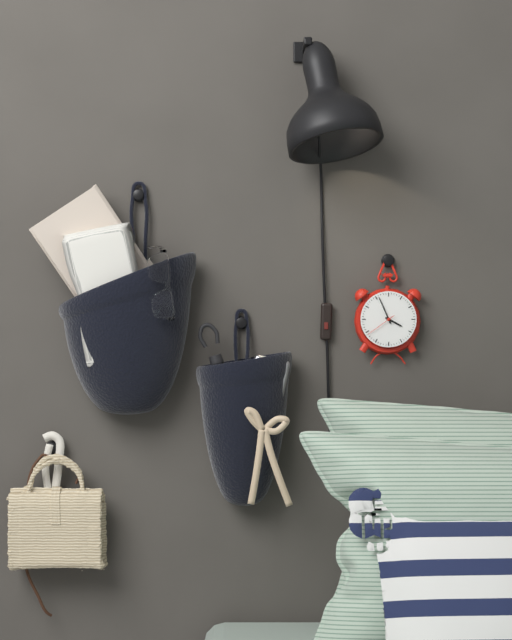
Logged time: **3:56**
